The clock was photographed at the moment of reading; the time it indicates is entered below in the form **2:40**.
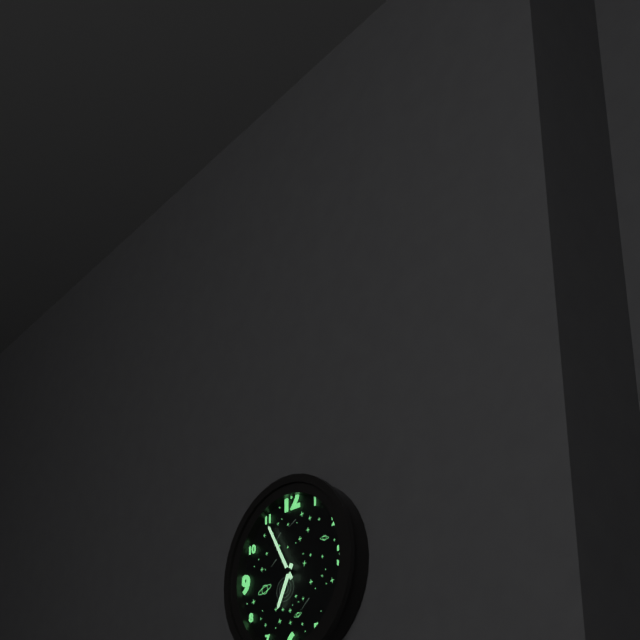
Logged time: **6:55**
